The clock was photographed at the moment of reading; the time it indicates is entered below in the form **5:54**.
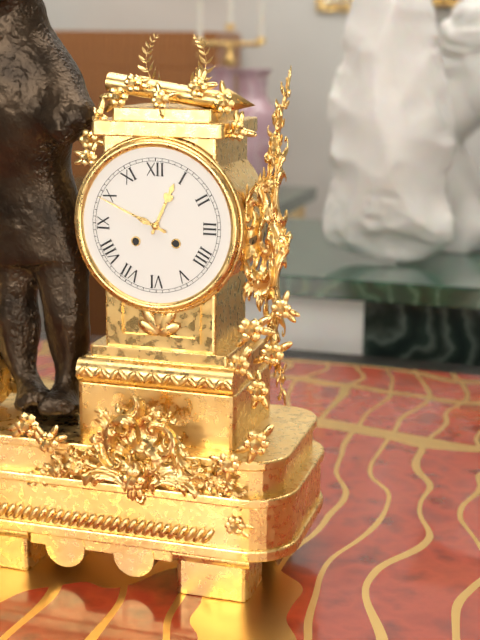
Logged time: **12:49**
